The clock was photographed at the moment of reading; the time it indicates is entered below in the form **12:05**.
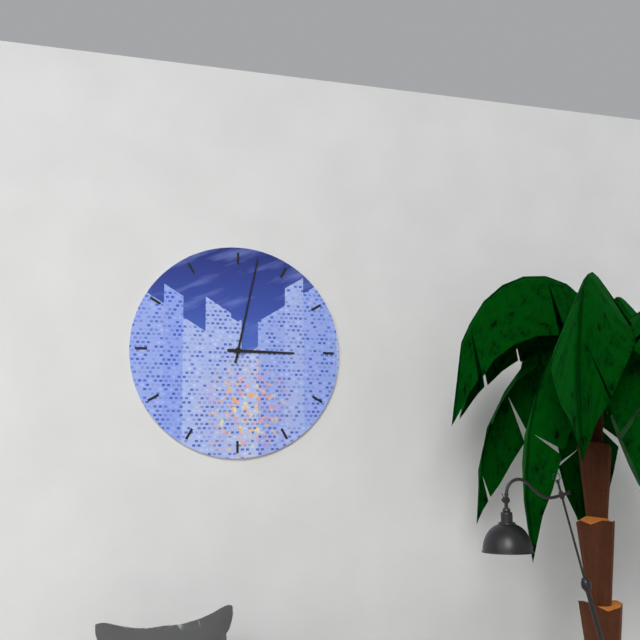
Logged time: **3:02**
